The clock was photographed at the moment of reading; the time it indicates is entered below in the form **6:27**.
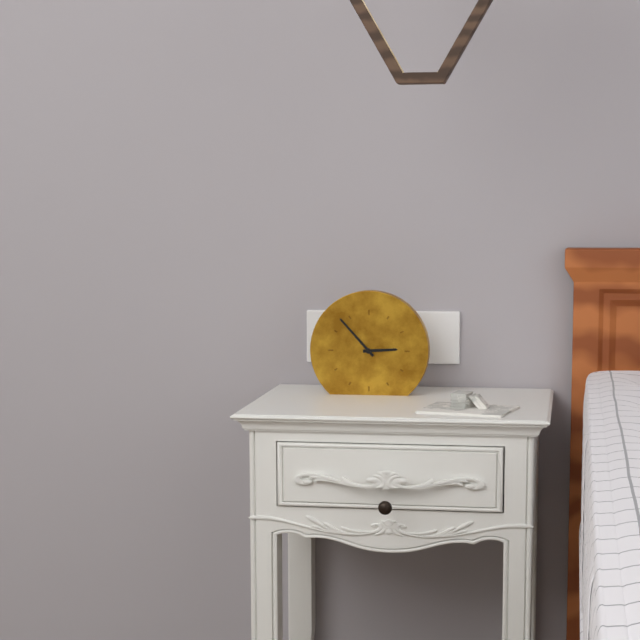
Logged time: **2:53**
